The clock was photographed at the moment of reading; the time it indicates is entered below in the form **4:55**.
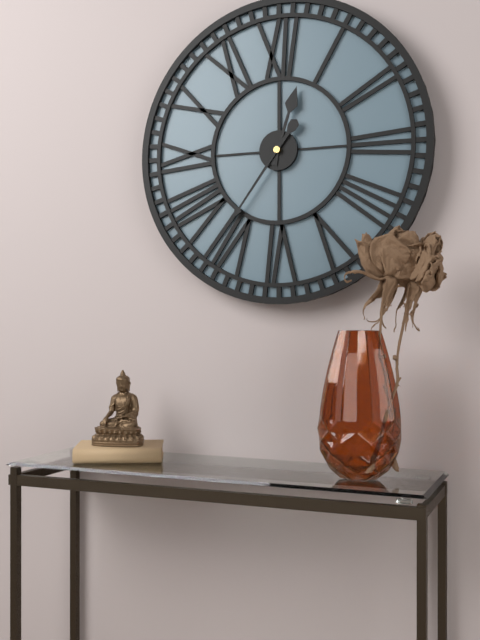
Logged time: **12:36**
